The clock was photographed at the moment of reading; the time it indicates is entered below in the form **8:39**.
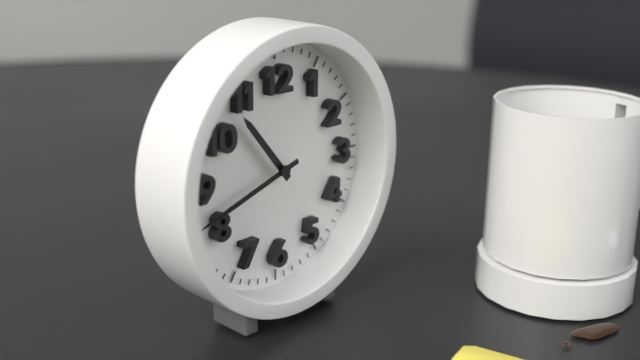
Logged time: **10:42**
